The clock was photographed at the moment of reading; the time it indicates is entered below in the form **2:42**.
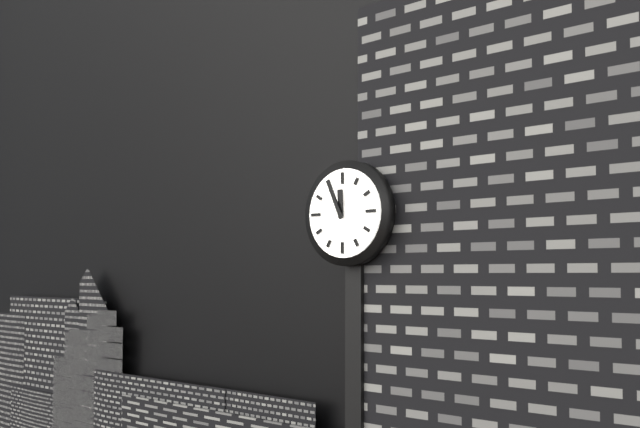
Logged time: **11:56**
